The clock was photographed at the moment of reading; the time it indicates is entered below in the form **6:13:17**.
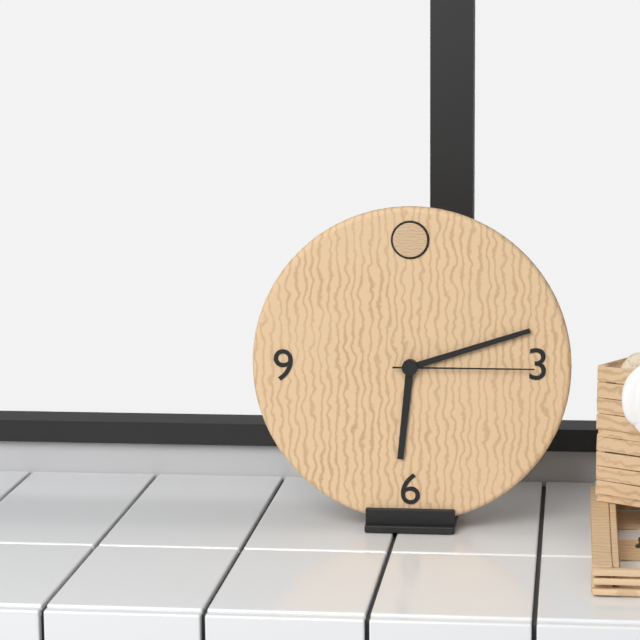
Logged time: **6:12:15**
